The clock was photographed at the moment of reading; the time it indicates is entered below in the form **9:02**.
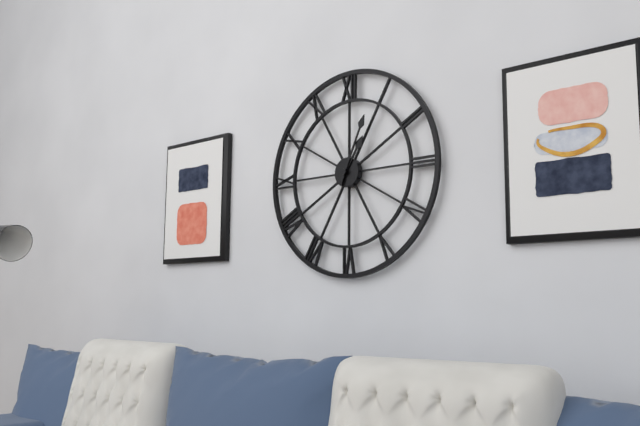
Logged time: **1:04**
